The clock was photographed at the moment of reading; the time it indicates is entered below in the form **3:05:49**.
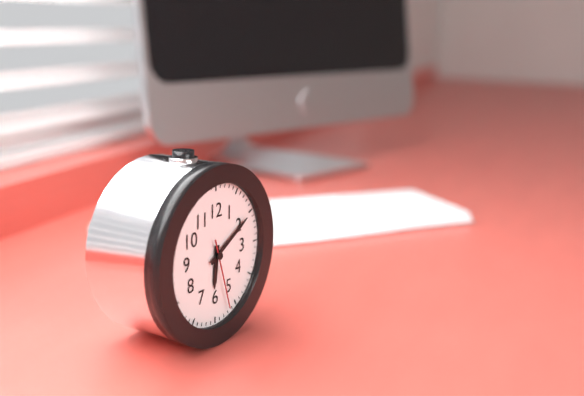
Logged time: **6:10:27**
